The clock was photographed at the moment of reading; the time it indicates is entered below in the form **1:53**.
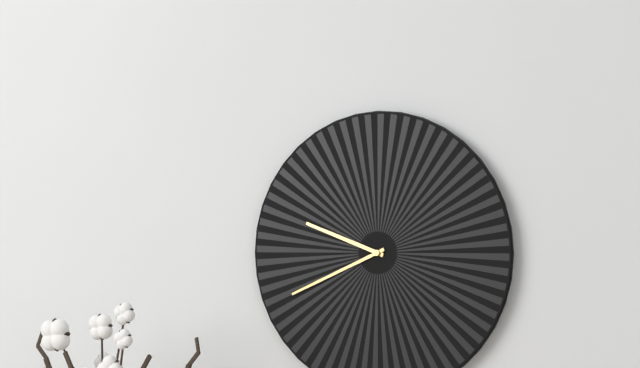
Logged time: **9:41**
